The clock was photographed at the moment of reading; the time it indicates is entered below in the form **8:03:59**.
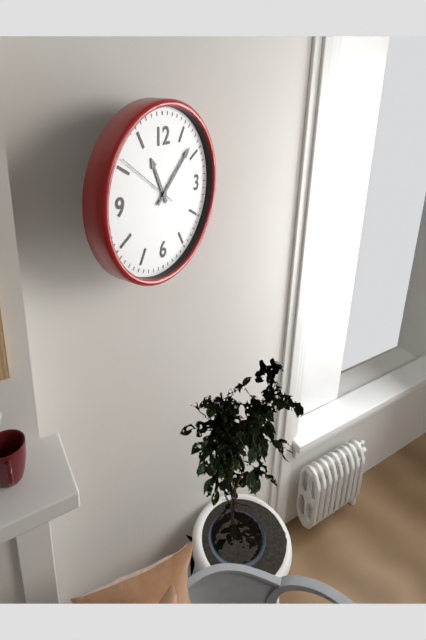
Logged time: **11:08:51**
